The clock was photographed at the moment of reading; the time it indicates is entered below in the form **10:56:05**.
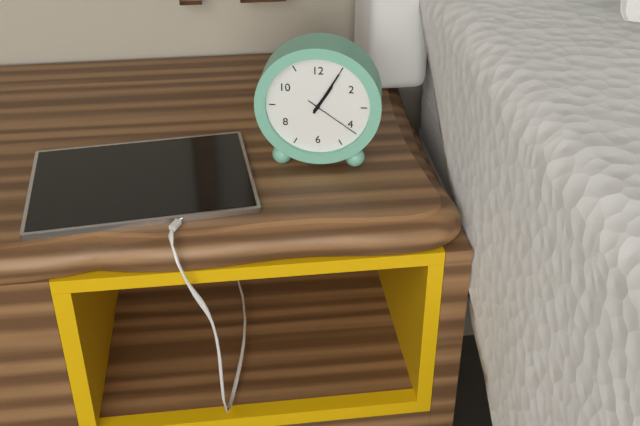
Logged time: **1:05:21**
